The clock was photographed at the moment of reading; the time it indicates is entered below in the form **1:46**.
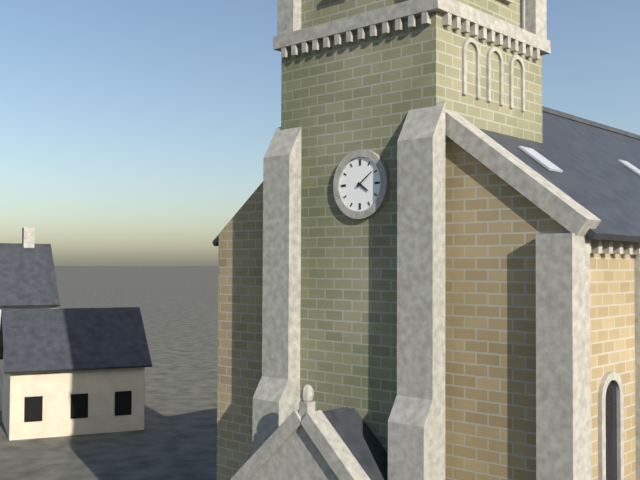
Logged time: **4:09**
